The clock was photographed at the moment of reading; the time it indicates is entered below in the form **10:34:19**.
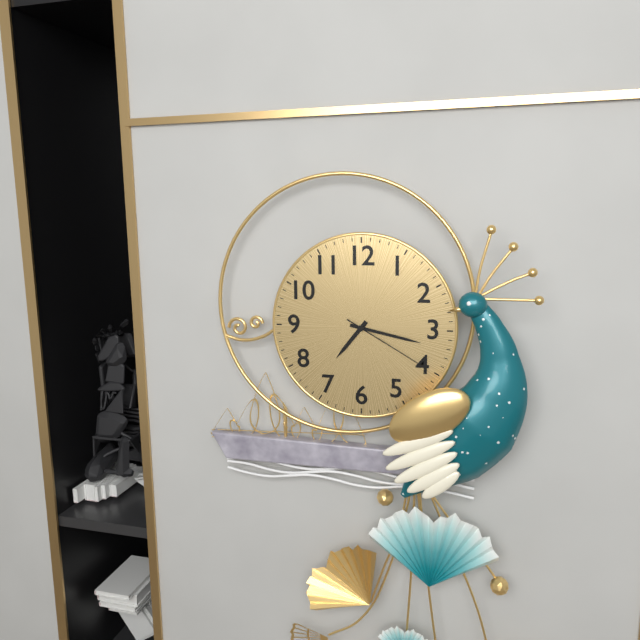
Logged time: **7:17:20**
